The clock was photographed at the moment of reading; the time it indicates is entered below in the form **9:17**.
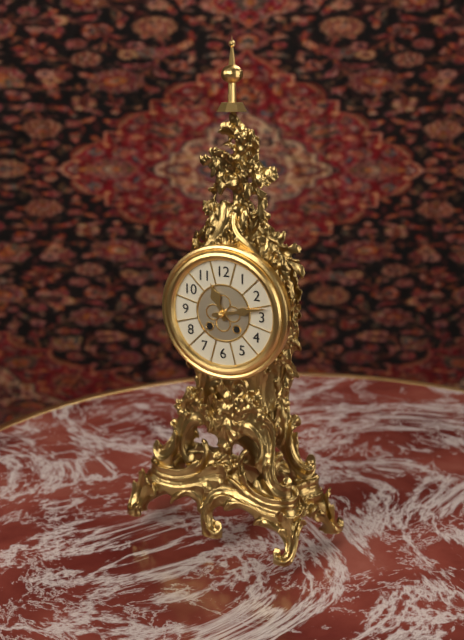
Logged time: **11:13**
